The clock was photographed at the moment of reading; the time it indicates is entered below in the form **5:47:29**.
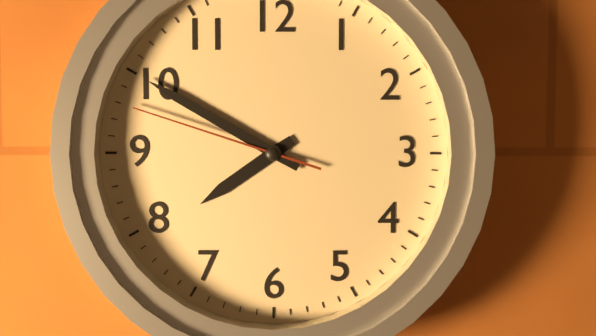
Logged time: **7:50:48**
